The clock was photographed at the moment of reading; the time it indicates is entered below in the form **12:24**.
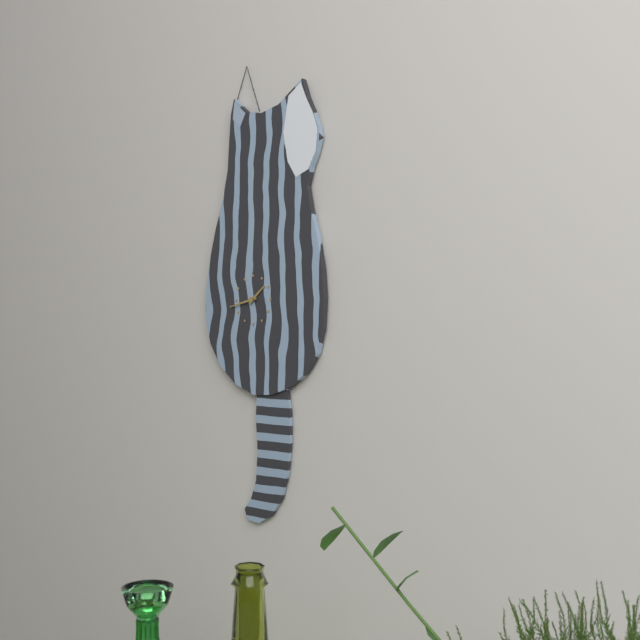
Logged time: **1:43**
